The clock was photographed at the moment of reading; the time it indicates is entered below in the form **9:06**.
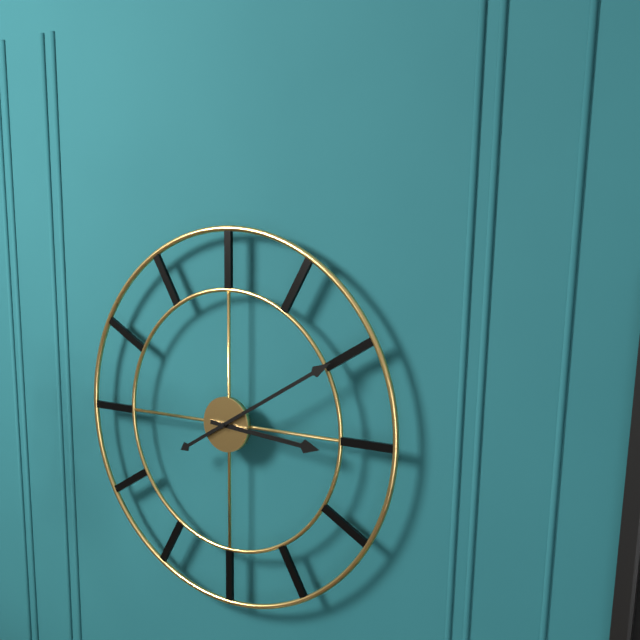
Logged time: **3:10**
